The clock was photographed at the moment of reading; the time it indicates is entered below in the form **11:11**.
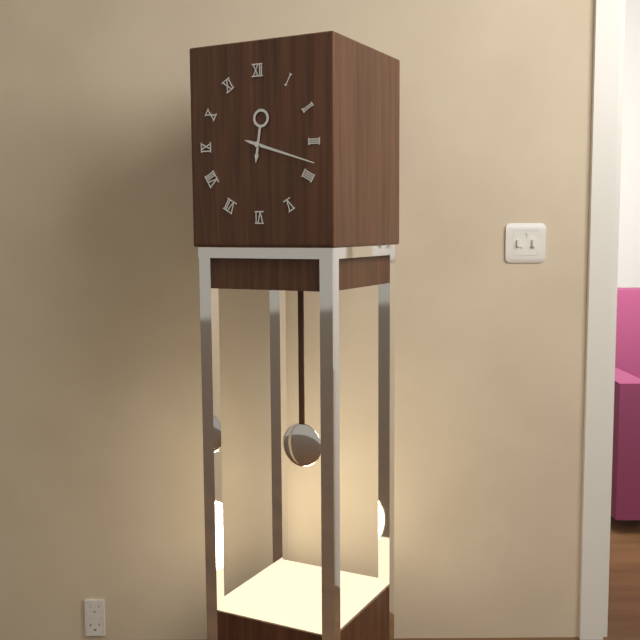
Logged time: **12:18**
